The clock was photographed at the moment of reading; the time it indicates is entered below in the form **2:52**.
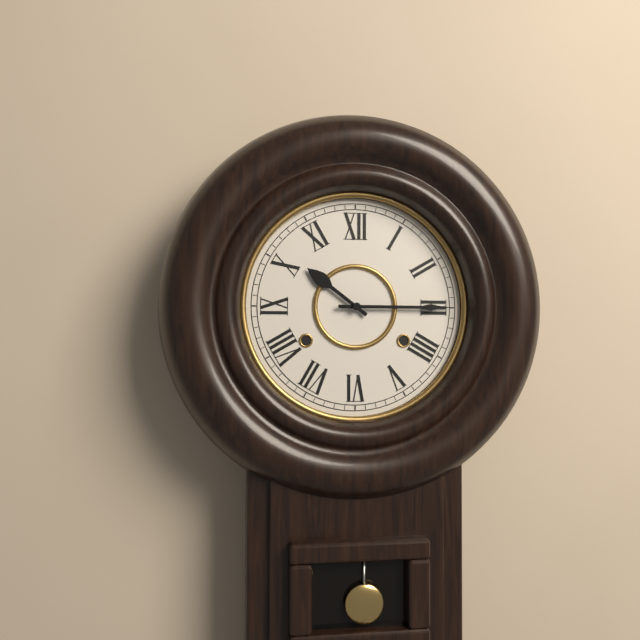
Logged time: **10:15**
